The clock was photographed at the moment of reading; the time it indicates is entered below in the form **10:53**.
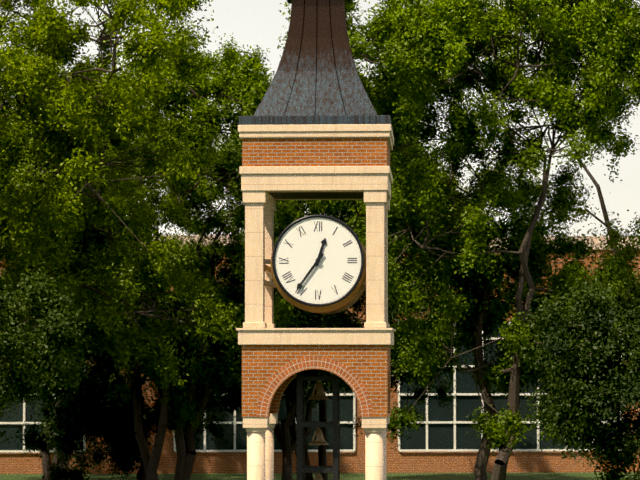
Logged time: **12:36**
